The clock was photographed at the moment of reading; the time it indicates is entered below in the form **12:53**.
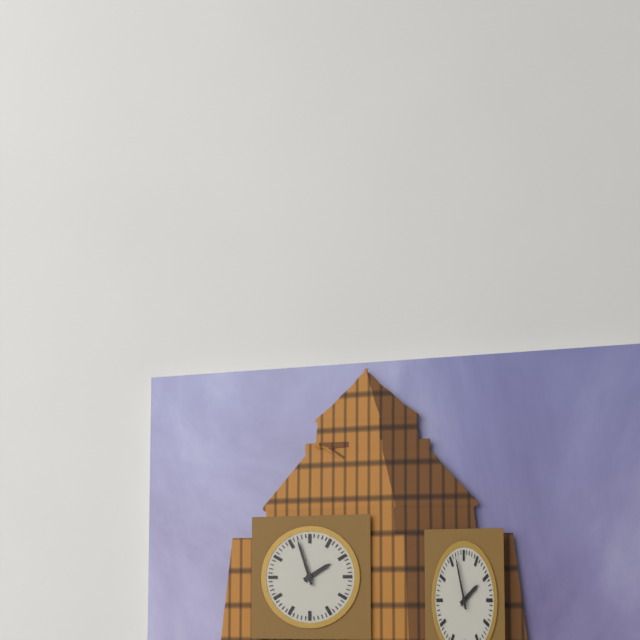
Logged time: **1:57**
